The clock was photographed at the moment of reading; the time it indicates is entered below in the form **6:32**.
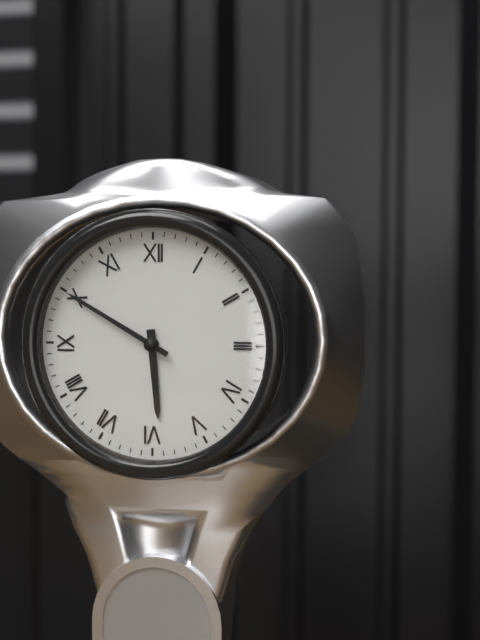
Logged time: **5:50**
